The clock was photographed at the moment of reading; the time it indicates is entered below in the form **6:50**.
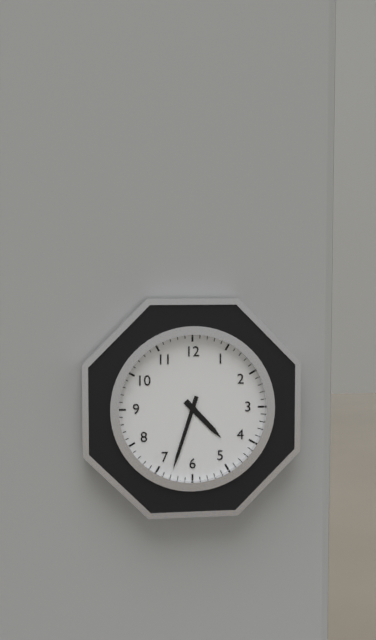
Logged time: **4:33**
